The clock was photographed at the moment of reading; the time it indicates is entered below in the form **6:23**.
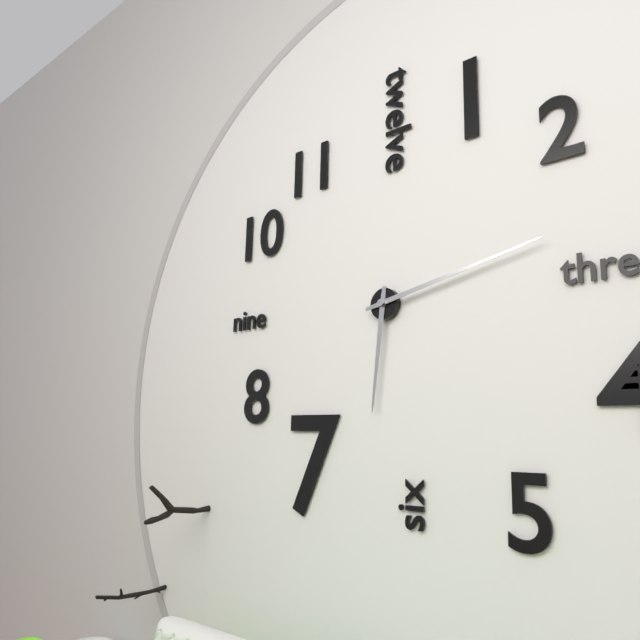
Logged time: **6:13**
